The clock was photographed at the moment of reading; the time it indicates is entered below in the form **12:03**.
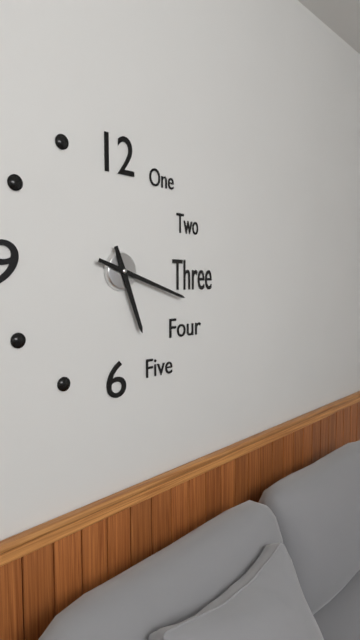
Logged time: **5:18**
